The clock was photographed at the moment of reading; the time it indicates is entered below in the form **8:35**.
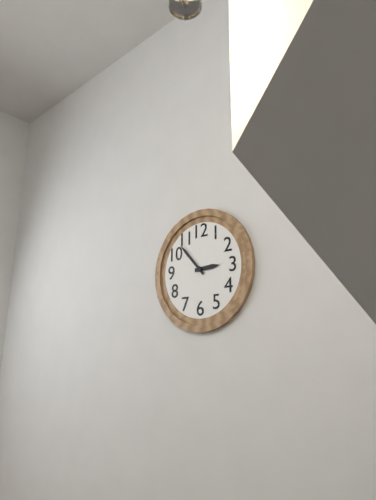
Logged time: **2:53**
